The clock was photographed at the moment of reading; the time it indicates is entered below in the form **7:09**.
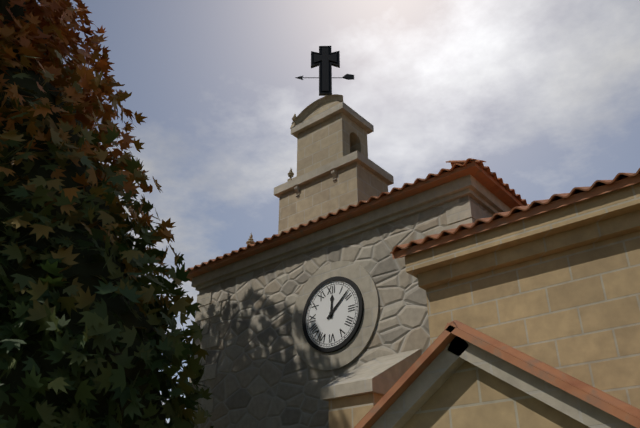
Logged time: **12:08**
